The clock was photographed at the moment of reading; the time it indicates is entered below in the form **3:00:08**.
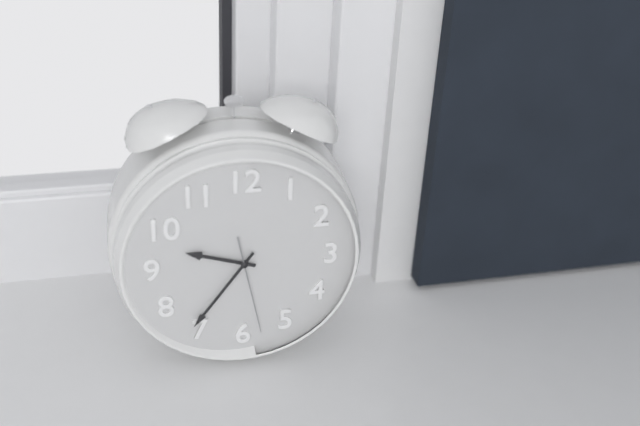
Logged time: **9:36:28**
